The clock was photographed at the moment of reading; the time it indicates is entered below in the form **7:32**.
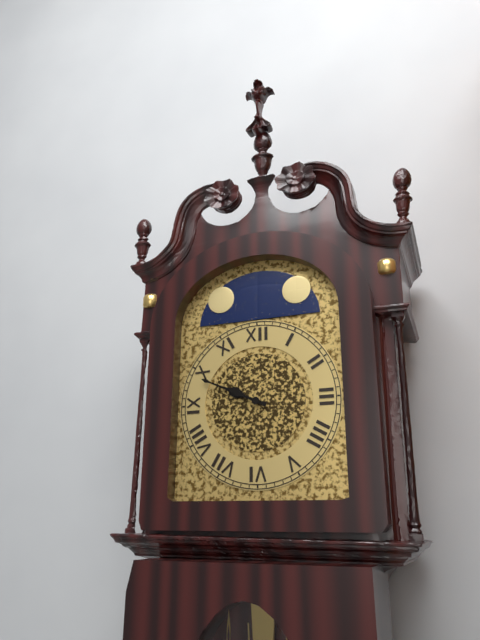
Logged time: **9:49**
